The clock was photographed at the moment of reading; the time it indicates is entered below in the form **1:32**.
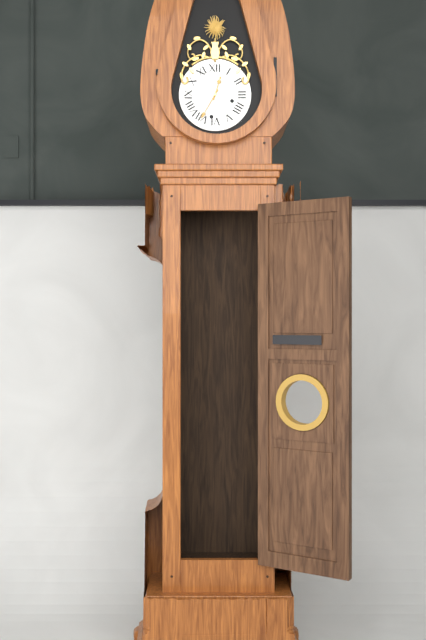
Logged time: **12:35**
